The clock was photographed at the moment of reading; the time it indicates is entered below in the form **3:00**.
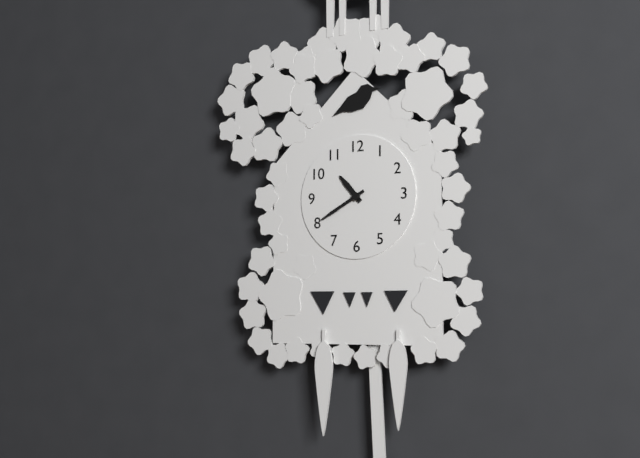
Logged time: **10:40**
